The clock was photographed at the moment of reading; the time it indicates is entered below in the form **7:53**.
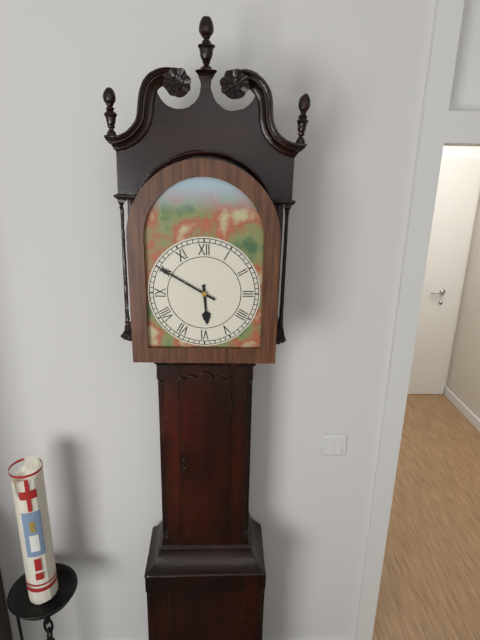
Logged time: **5:50**
